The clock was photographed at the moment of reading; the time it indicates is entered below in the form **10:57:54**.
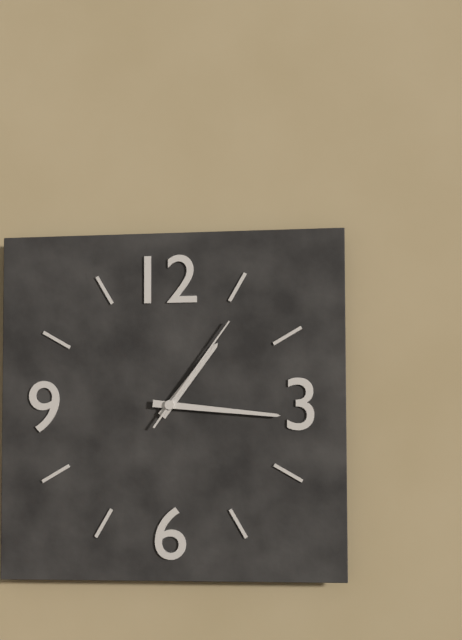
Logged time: **1:16:06**
